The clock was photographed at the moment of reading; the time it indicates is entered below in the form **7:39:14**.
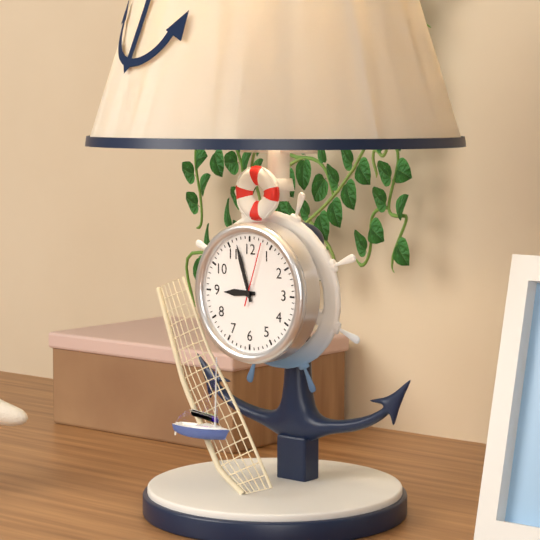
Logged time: **8:57:03**
